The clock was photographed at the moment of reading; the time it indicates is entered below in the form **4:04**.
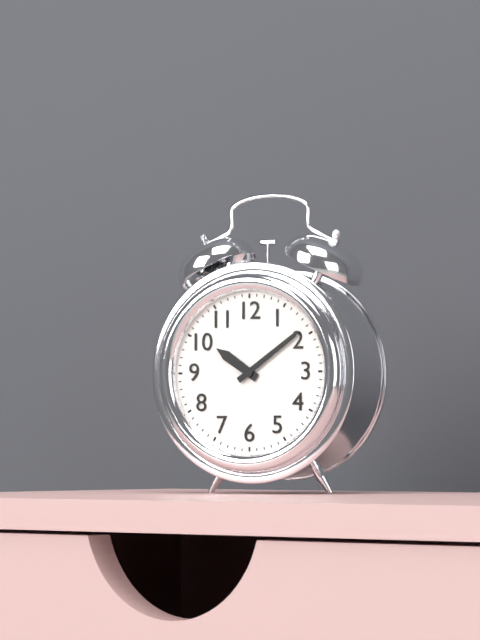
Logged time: **10:09**
